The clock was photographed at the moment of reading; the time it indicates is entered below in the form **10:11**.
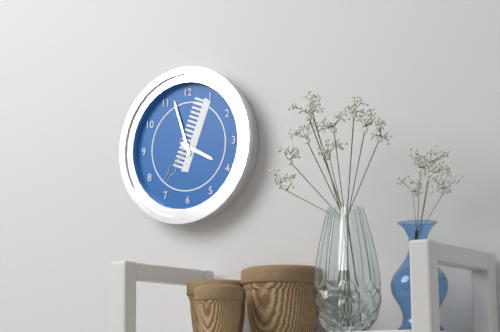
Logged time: **3:57**
